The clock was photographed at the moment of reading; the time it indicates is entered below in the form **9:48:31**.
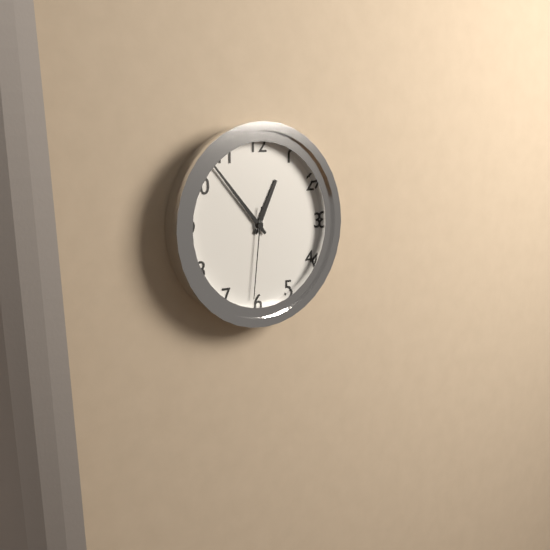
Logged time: **12:53:31**
